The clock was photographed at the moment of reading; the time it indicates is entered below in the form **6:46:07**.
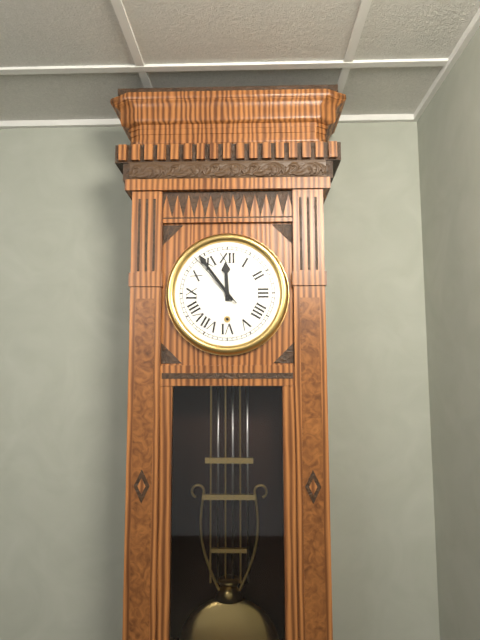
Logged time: **11:54:53**
